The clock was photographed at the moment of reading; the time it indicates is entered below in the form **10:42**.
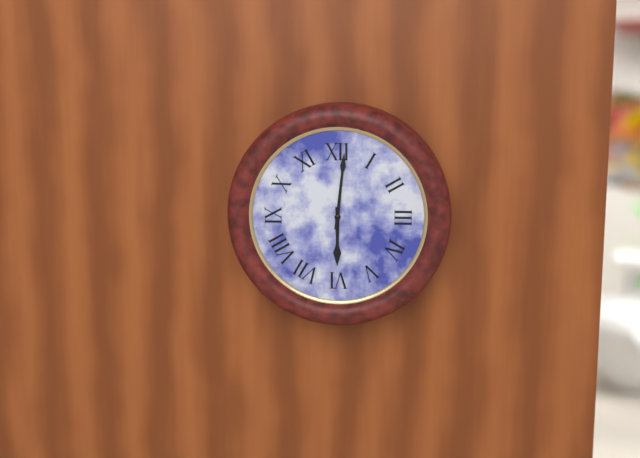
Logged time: **6:01**
